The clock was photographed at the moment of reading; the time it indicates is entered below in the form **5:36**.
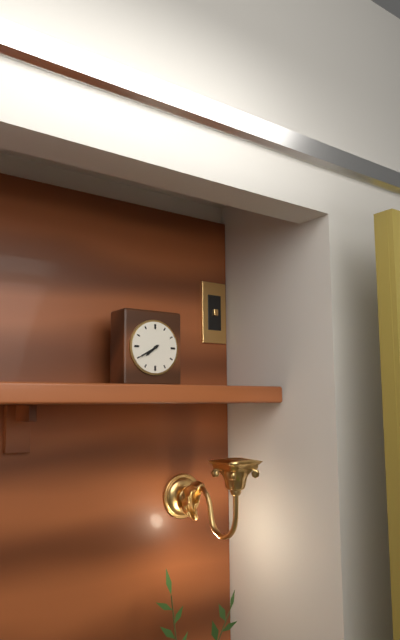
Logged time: **7:40**
